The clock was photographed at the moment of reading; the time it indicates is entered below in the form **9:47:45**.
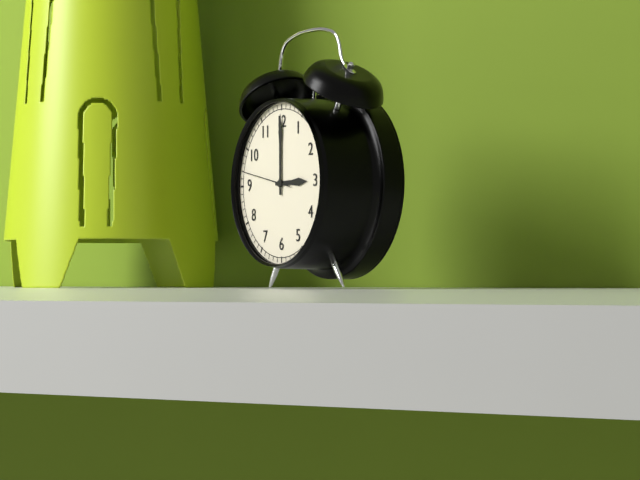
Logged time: **3:00:47**
